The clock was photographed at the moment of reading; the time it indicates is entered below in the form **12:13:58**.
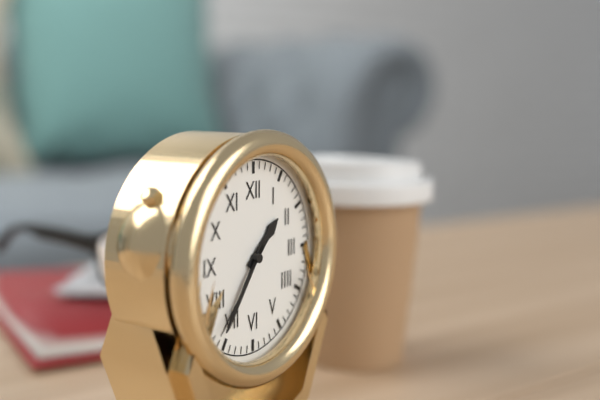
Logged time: **1:36:37**
